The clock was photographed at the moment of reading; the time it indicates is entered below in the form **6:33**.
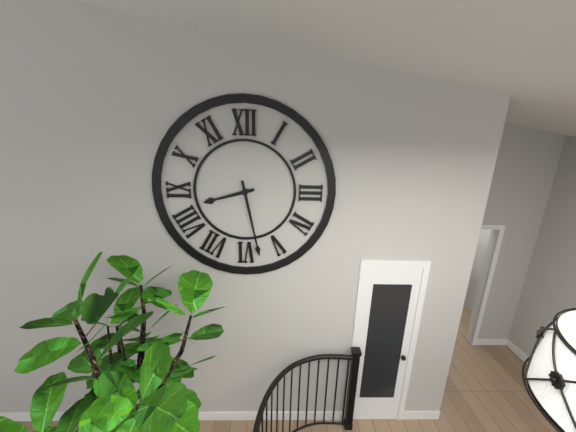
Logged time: **8:28**
